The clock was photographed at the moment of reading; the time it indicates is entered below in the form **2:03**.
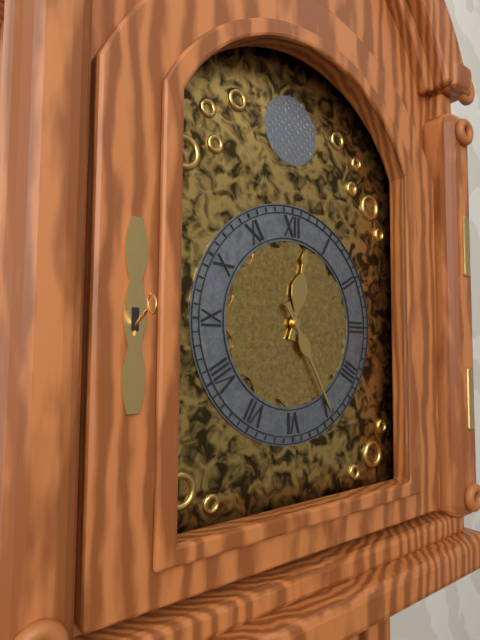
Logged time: **12:25**
